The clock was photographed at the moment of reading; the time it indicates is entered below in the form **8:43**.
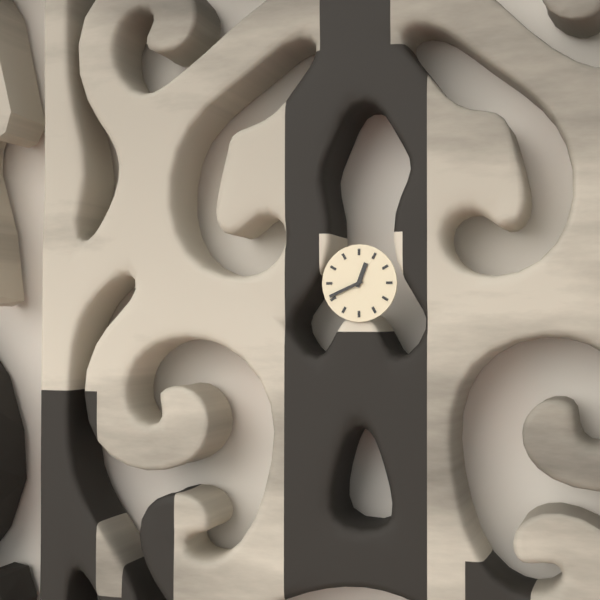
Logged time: **12:41**
